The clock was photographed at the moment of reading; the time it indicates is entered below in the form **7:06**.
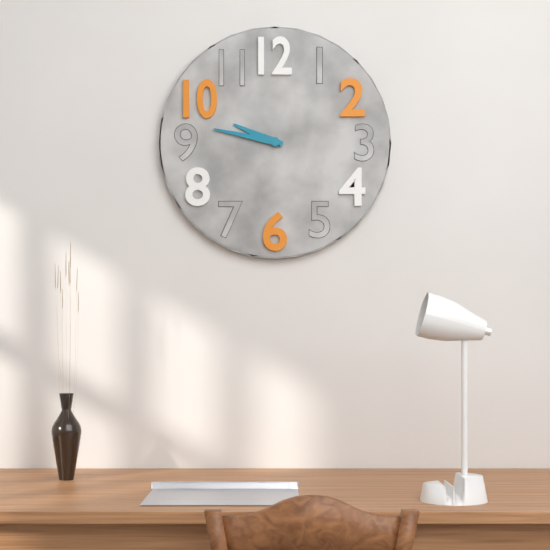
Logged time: **9:47**
